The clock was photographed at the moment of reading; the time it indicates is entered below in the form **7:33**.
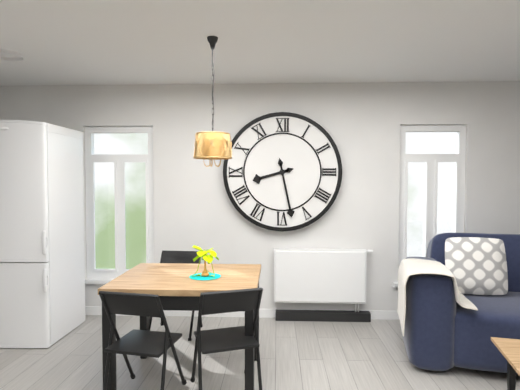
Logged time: **8:28**
